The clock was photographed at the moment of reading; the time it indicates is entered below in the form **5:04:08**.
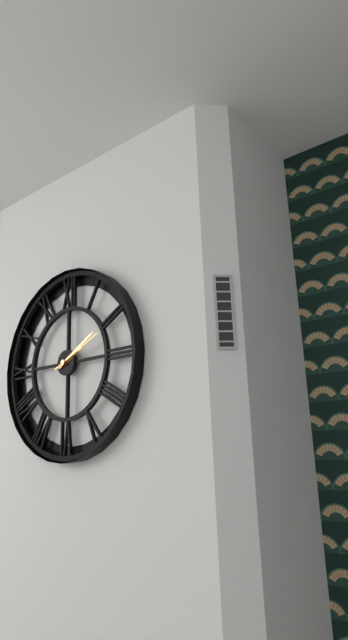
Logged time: **2:10:11**
